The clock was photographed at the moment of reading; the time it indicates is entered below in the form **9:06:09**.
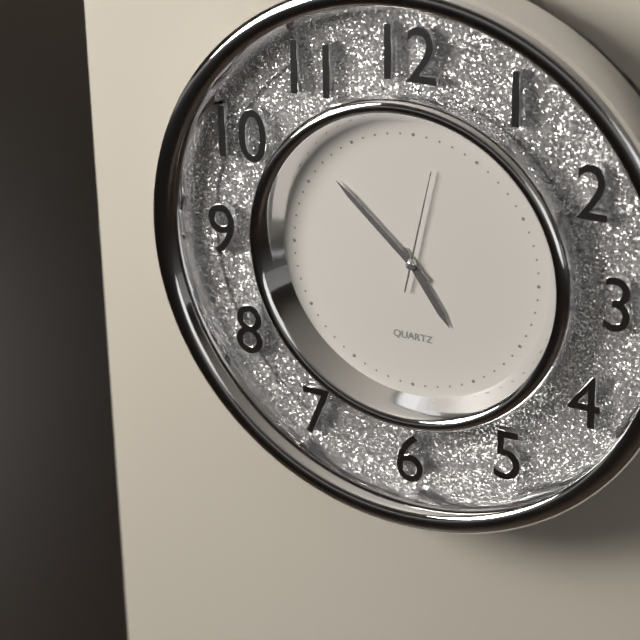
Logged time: **4:52:02**
